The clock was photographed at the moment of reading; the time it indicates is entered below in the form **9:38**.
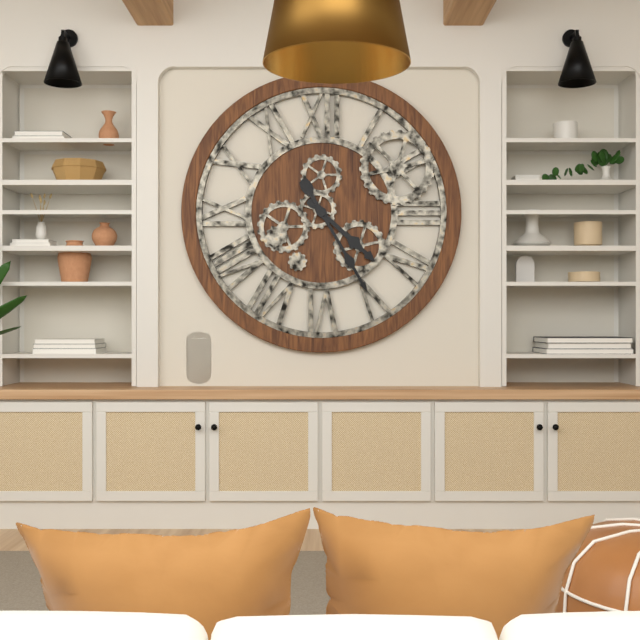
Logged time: **4:25**
